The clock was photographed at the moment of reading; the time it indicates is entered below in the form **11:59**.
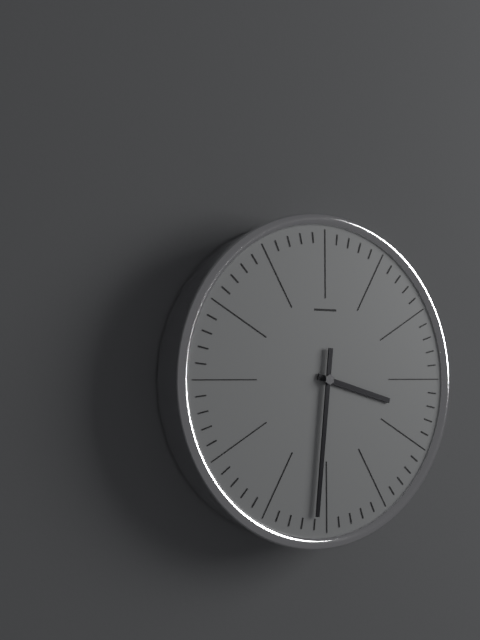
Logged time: **3:31**
